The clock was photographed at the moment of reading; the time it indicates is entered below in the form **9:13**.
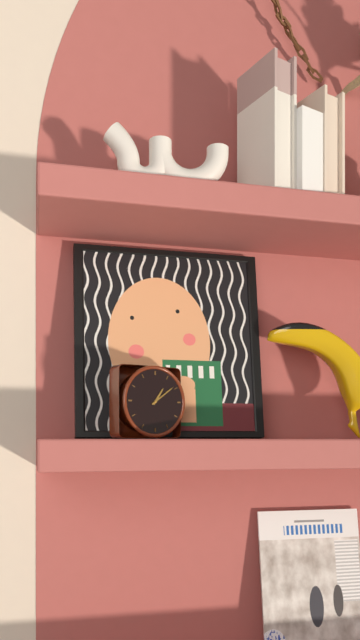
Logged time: **1:09**
